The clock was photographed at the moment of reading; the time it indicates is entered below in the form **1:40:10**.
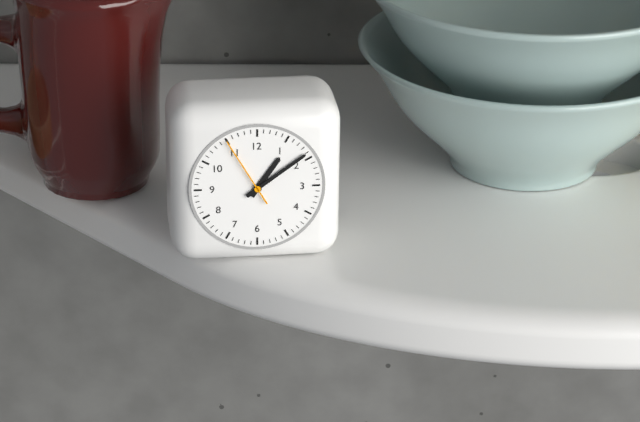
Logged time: **1:09:55**
